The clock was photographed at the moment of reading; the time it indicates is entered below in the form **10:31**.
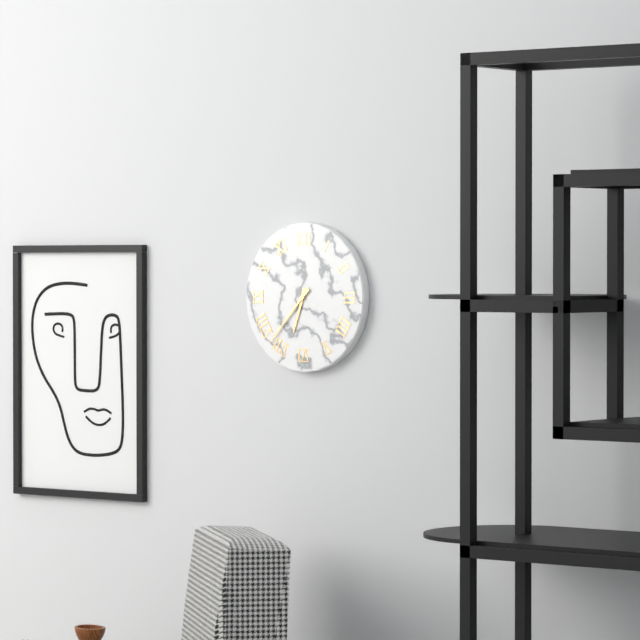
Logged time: **6:37**
